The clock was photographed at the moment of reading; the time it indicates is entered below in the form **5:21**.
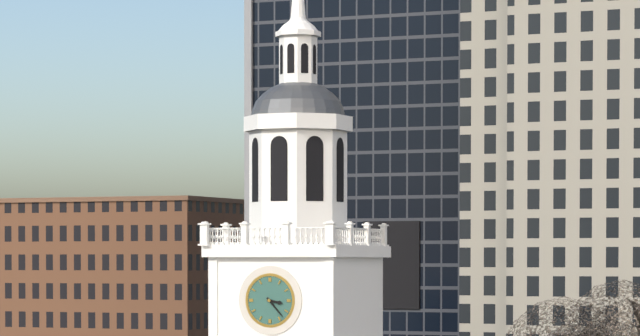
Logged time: **3:23**
